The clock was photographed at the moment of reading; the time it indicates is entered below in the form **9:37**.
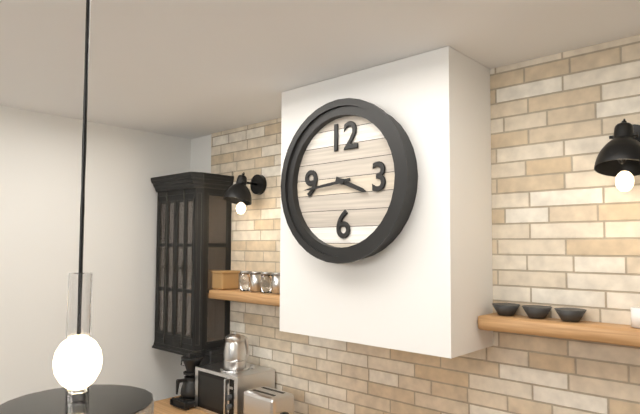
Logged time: **3:44**
